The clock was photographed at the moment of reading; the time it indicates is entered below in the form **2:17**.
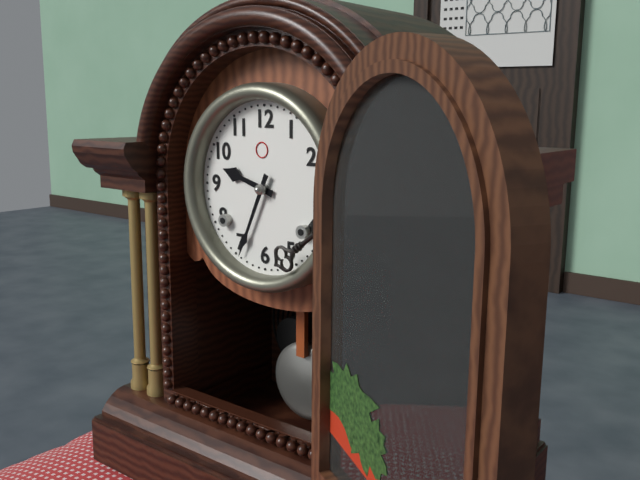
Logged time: **9:34**
